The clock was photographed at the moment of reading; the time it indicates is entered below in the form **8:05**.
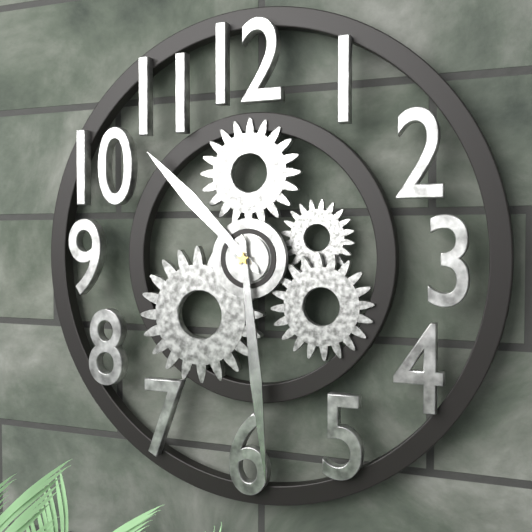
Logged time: **10:29**
